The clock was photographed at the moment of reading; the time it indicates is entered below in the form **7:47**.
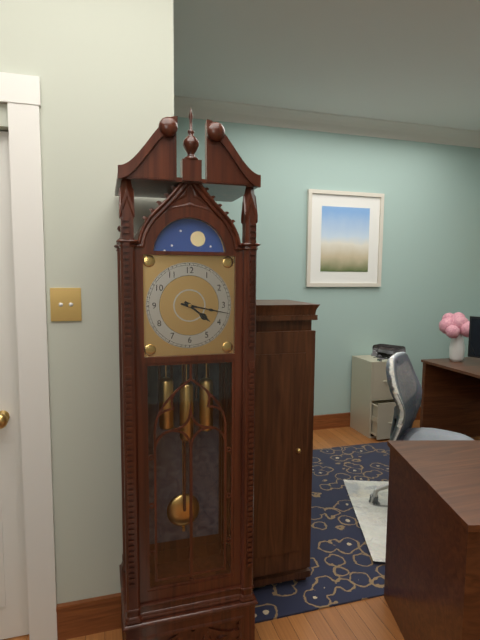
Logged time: **4:17**
